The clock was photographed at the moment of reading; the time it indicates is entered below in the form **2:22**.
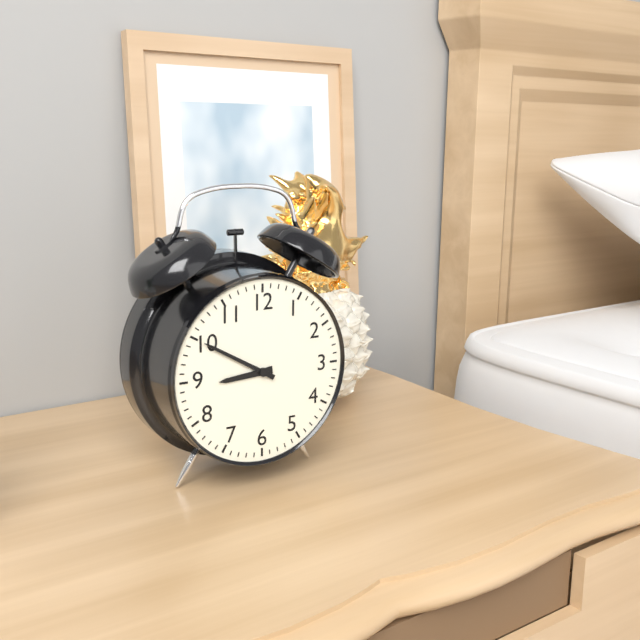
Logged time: **8:50**
